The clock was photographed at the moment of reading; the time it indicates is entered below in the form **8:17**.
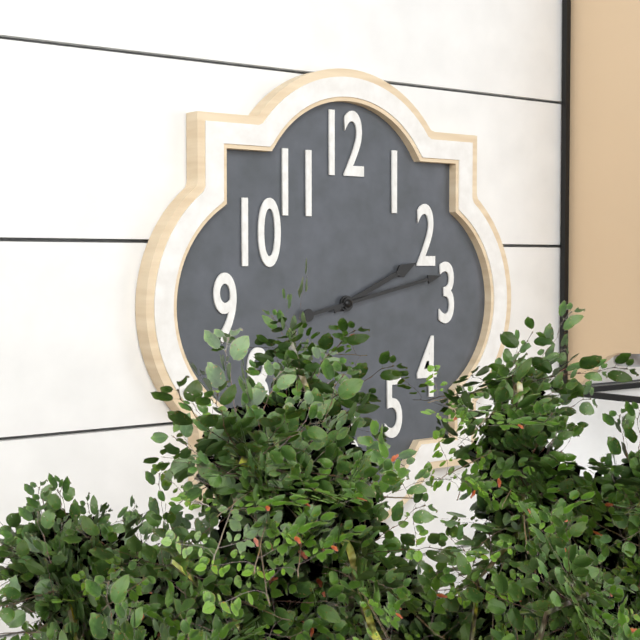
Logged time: **2:13**
